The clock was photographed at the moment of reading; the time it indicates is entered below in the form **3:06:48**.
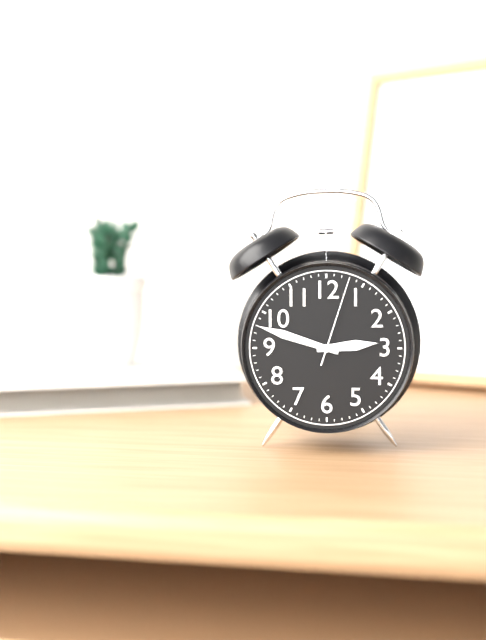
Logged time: **2:48:03**
